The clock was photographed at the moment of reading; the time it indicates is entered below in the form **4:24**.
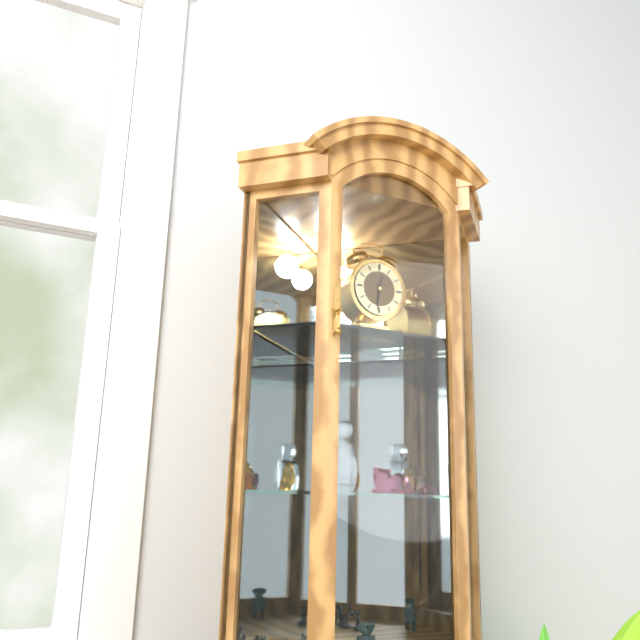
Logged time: **12:31**
